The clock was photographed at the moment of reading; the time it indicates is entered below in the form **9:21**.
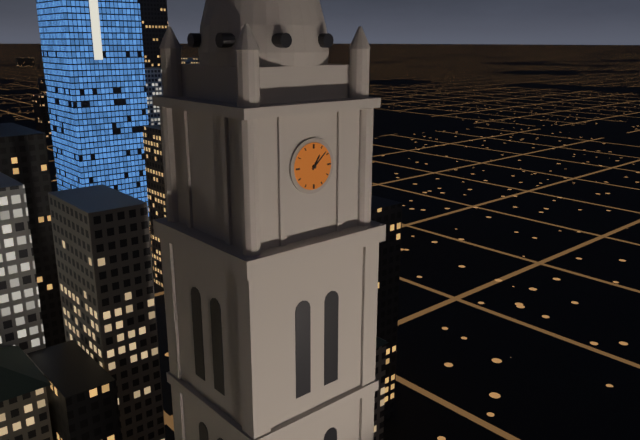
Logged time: **1:08**
